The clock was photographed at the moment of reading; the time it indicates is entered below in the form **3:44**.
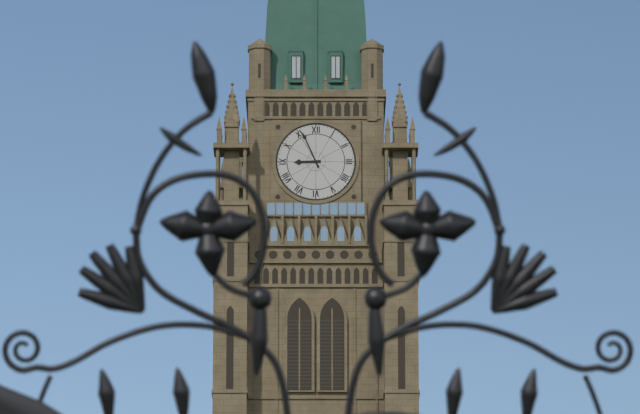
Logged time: **8:56**
